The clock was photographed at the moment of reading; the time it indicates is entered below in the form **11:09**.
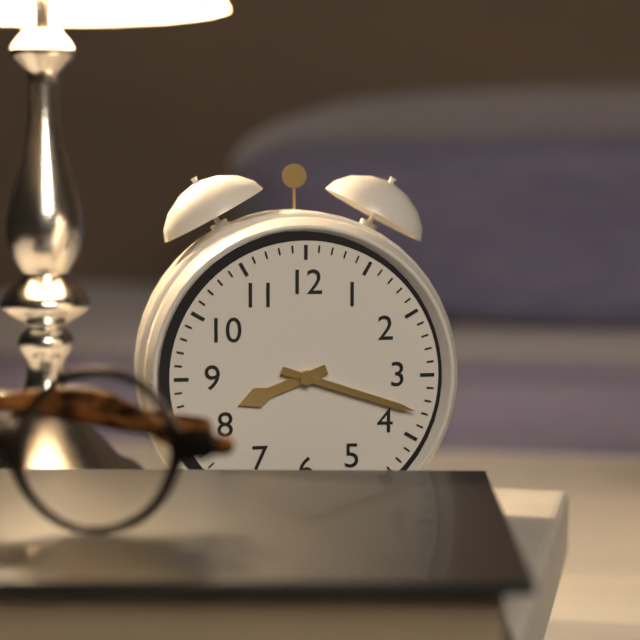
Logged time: **8:18**
